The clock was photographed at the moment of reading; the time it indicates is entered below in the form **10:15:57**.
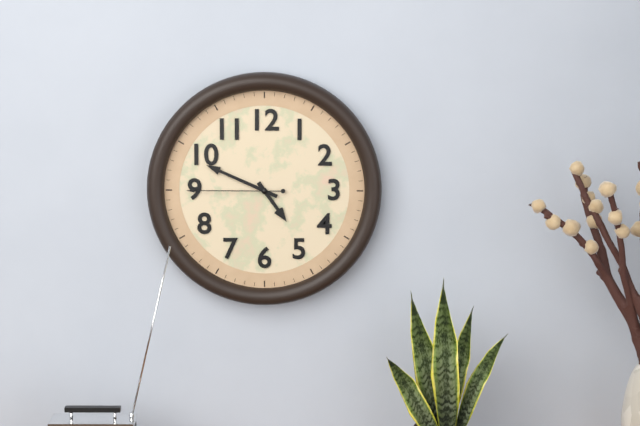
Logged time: **4:49:45**
